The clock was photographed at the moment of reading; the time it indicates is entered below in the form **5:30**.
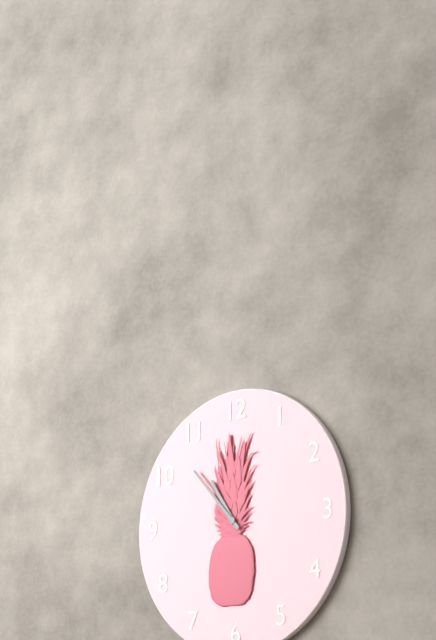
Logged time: **10:53**
